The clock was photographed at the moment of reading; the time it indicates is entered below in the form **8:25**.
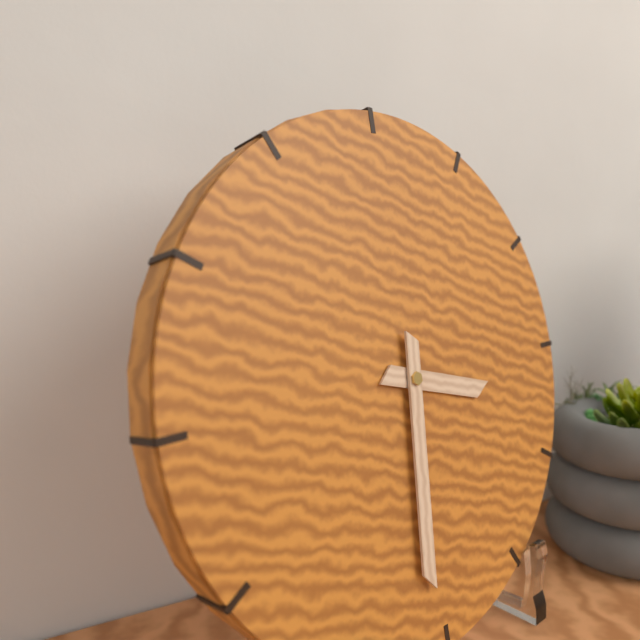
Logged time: **3:31**
